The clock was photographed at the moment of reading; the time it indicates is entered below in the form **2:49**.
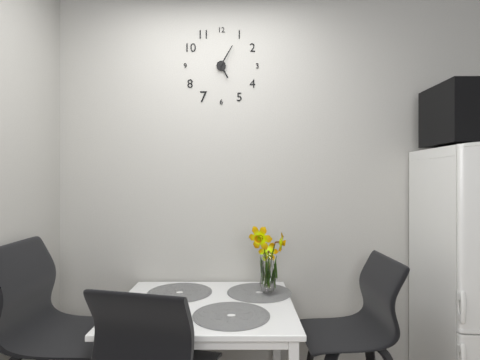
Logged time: **5:05**
